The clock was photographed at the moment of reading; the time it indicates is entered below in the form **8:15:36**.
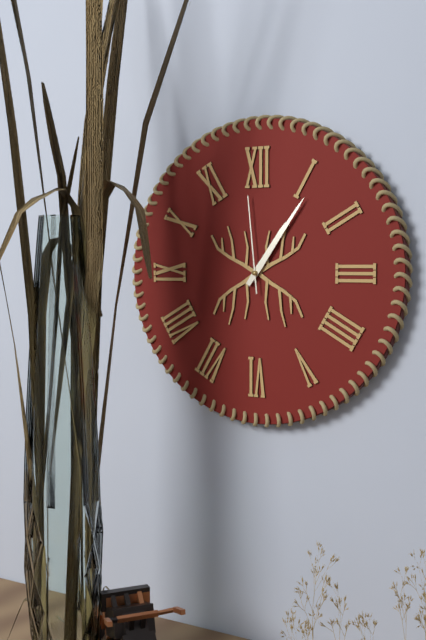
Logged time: **1:06:59**
